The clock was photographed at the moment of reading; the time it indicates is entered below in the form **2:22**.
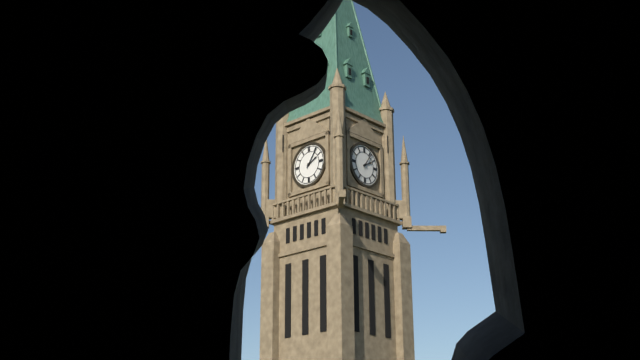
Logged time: **2:06**
